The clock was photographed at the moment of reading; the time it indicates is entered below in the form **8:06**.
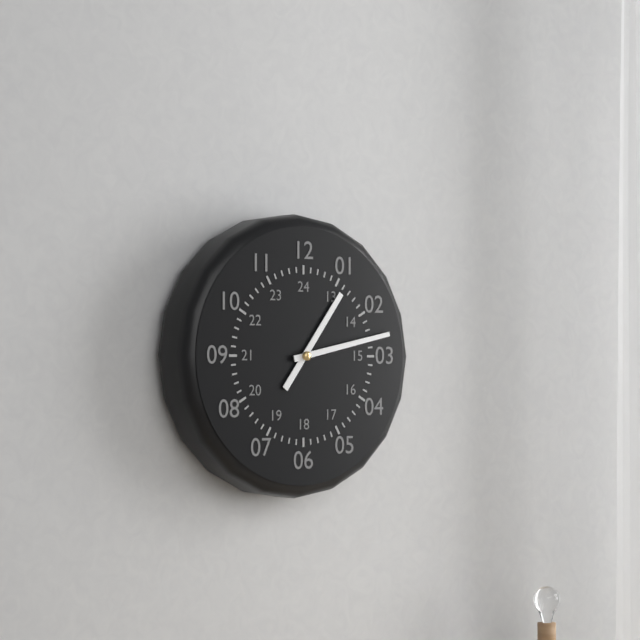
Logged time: **1:13**
